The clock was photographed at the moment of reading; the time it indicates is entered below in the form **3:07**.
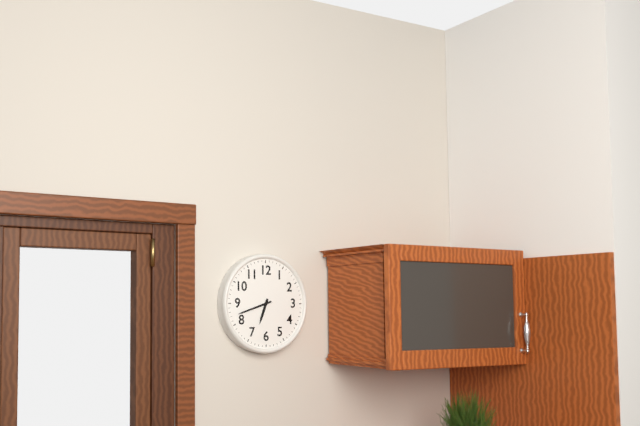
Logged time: **6:42**
